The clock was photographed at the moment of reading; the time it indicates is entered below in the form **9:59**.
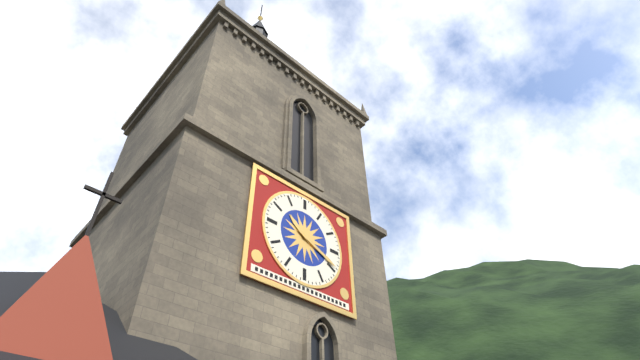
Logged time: **10:19**
